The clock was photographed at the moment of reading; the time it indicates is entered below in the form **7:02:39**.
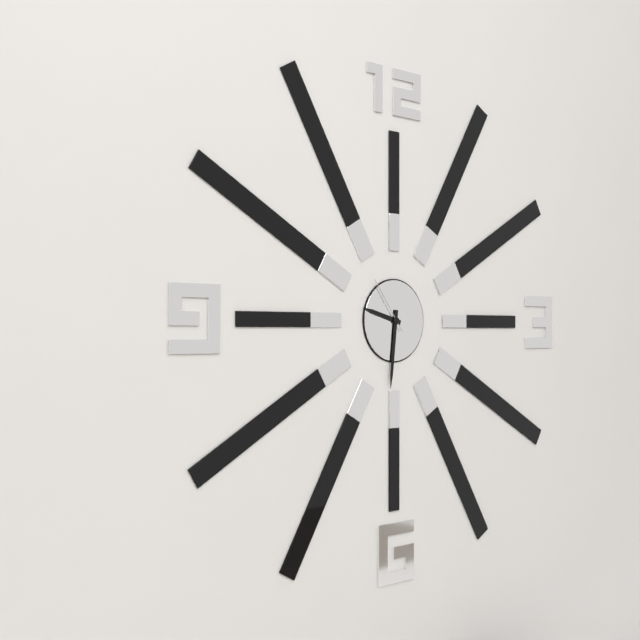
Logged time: **9:31:54**
